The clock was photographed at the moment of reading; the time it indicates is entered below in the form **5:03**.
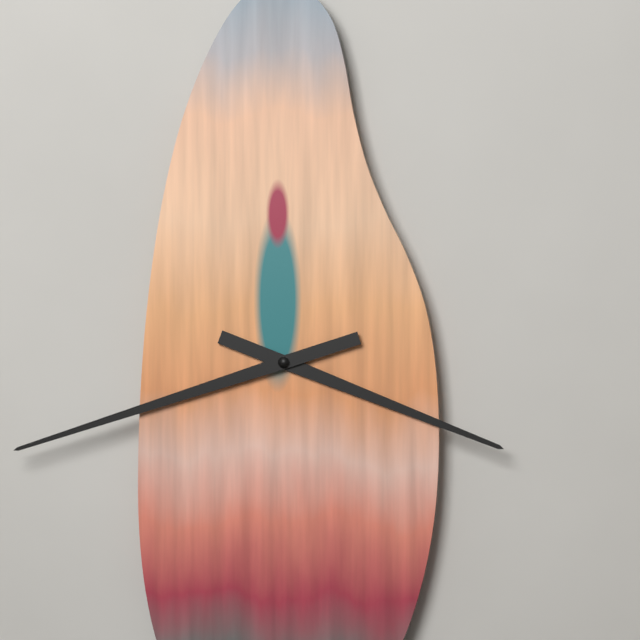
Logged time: **3:42**
